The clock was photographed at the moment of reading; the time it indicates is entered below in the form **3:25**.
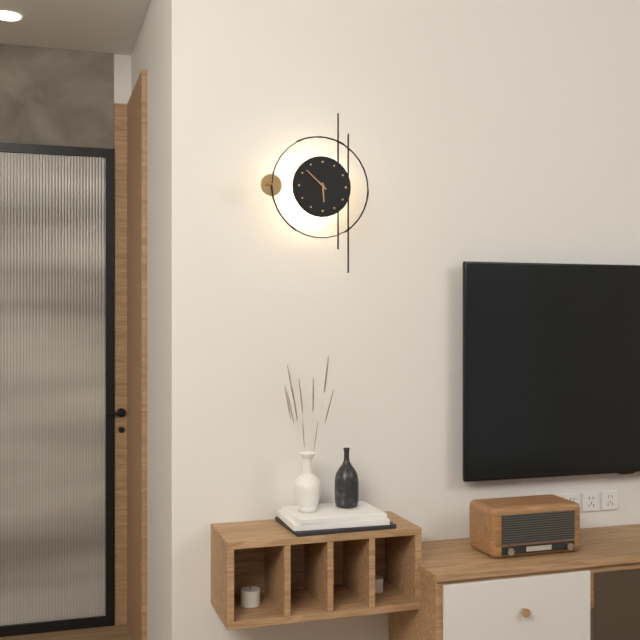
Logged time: **5:52**
